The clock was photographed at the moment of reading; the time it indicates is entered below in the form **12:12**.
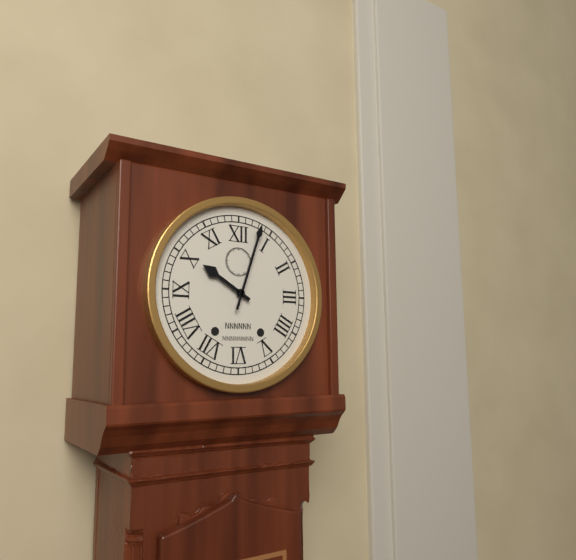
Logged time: **10:03**
